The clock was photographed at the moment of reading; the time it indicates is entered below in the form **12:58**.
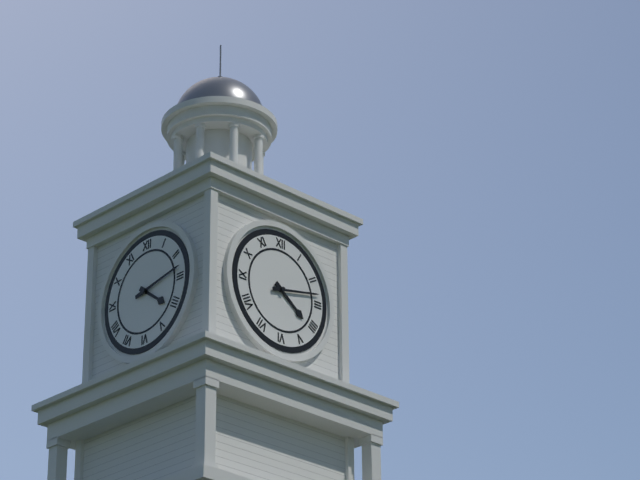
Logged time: **4:13**
